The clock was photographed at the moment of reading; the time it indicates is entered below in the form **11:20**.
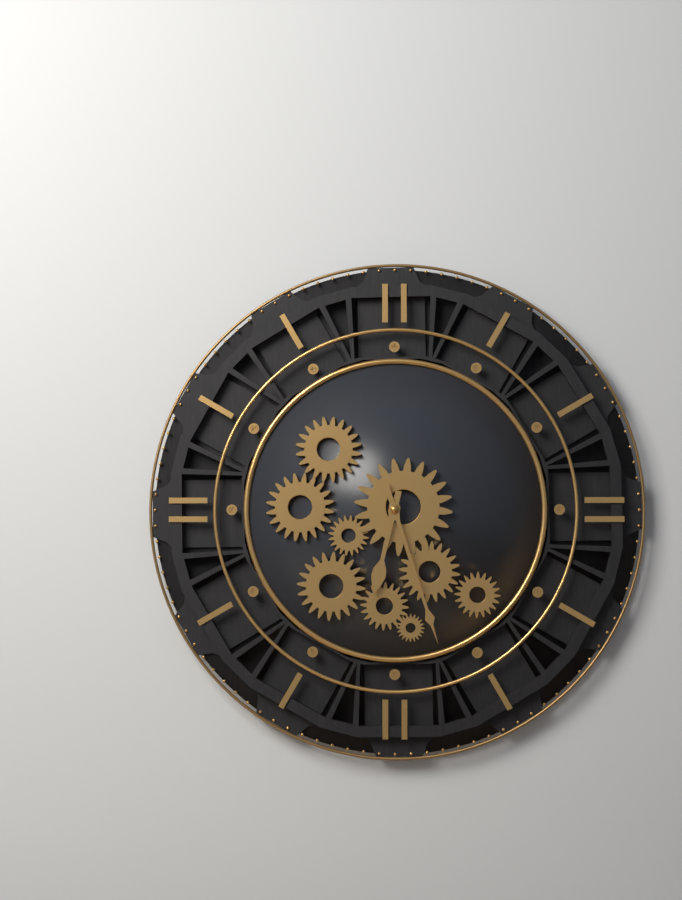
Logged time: **6:27**
